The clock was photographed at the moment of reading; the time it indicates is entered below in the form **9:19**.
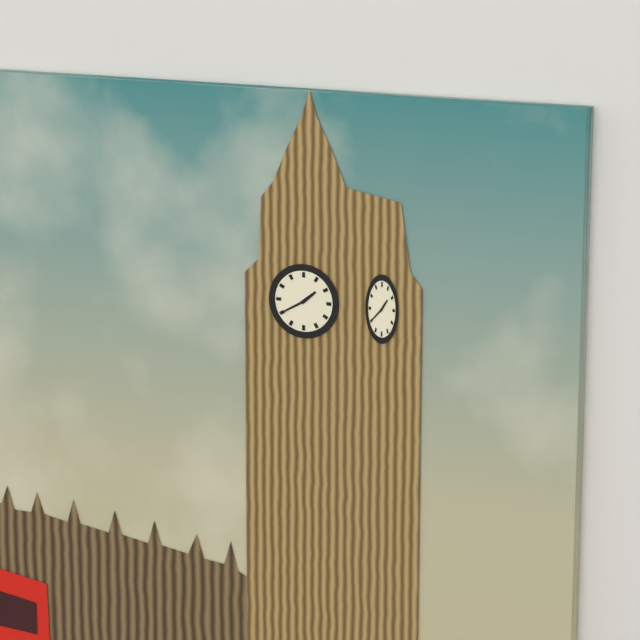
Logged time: **1:40**
